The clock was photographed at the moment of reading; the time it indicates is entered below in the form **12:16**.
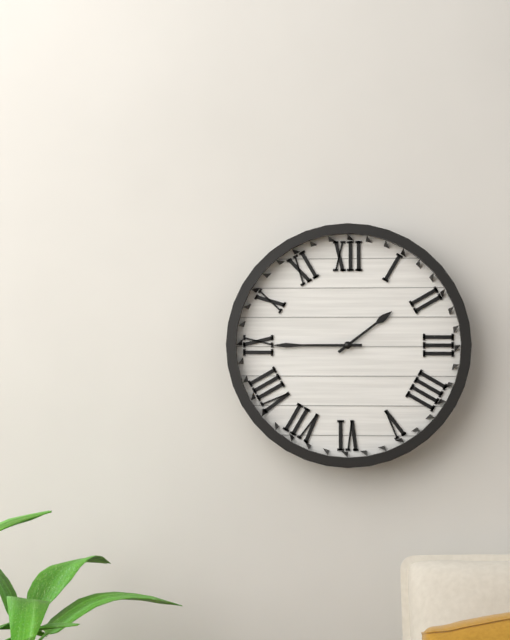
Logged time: **1:45**
